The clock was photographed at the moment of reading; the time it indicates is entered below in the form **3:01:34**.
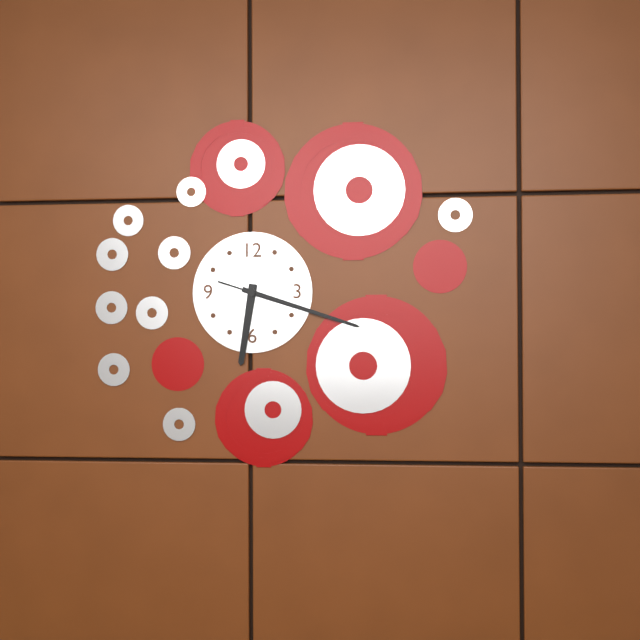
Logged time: **6:18:18**
